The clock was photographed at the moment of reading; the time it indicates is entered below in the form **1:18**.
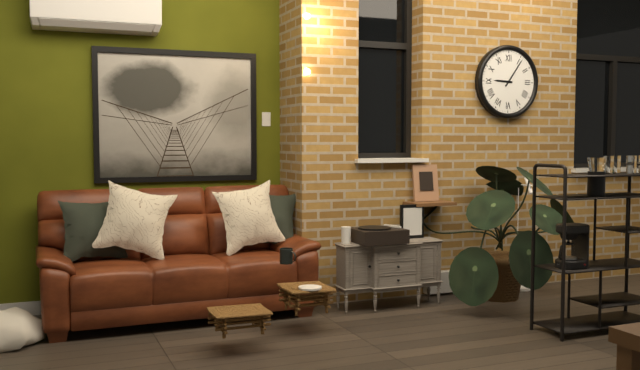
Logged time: **9:06**
